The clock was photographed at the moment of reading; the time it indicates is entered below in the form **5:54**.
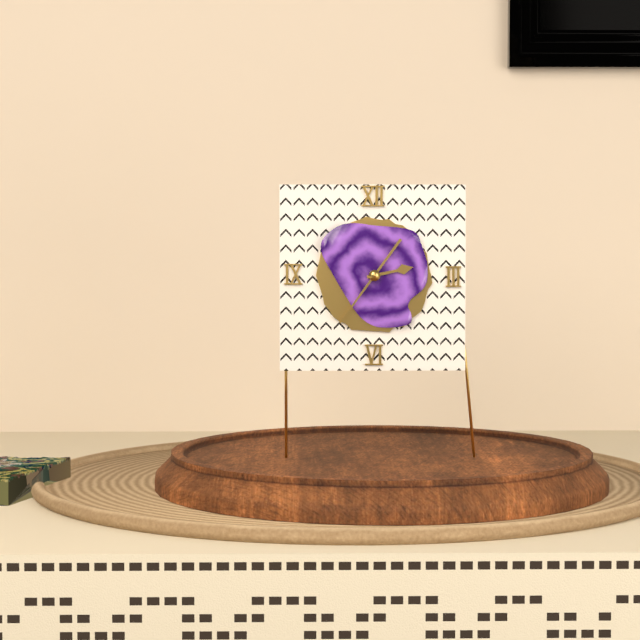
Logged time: **2:36**
